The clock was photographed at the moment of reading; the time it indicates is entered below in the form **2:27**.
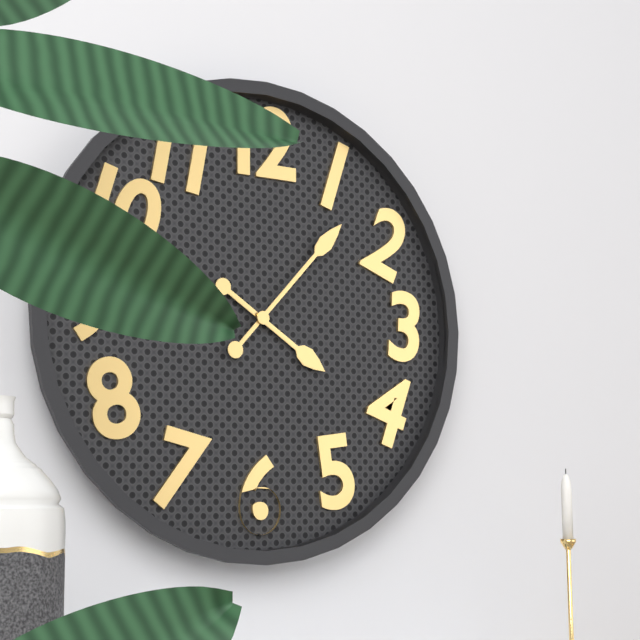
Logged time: **4:07**
